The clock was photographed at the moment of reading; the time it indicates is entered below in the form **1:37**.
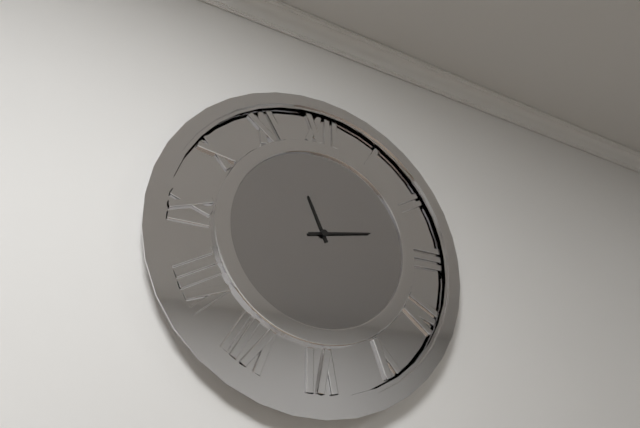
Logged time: **11:13**
